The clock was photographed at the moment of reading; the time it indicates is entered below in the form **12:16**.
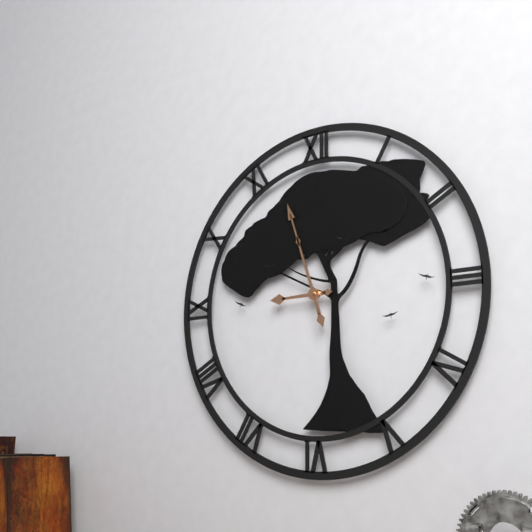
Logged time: **8:57**
